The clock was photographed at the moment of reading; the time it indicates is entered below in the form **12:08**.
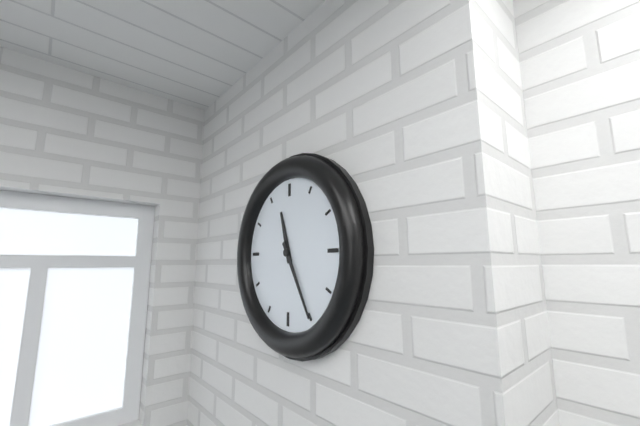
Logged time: **11:25**
